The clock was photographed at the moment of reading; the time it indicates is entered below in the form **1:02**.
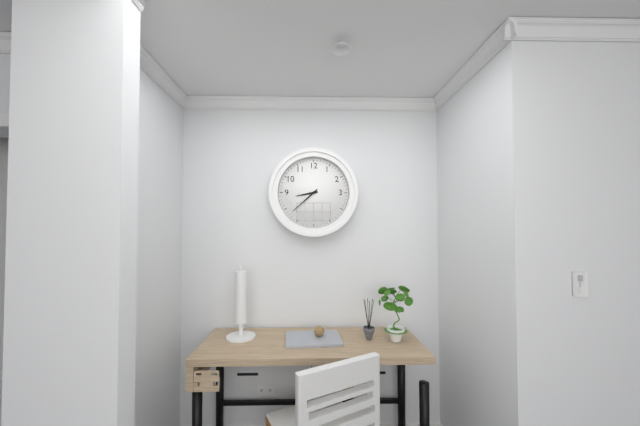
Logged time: **8:38**
